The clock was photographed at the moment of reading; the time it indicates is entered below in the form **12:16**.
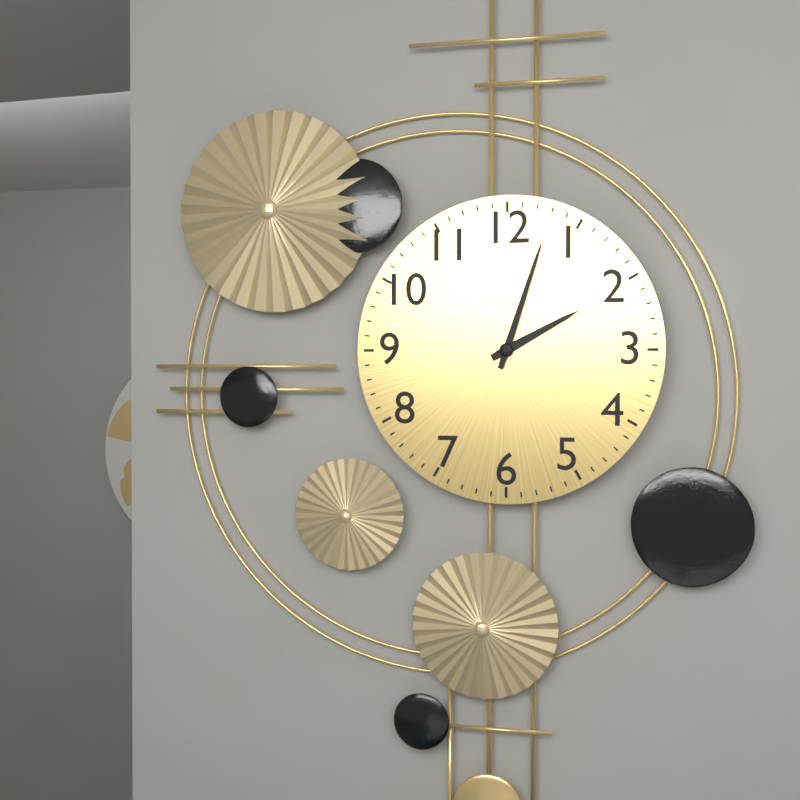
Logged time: **2:03**
